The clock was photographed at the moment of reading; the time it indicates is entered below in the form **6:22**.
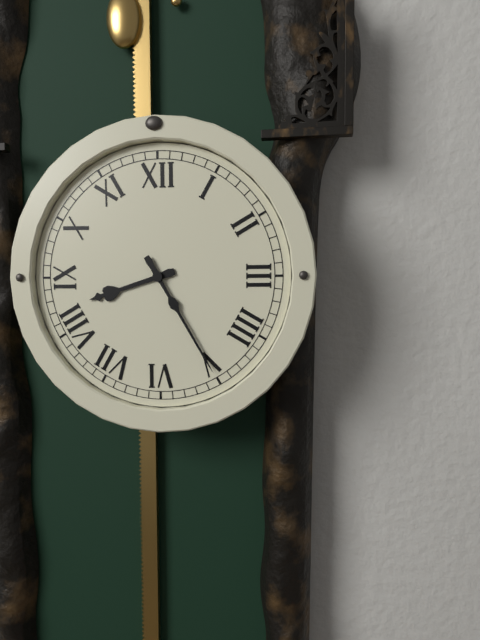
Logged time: **8:25**
